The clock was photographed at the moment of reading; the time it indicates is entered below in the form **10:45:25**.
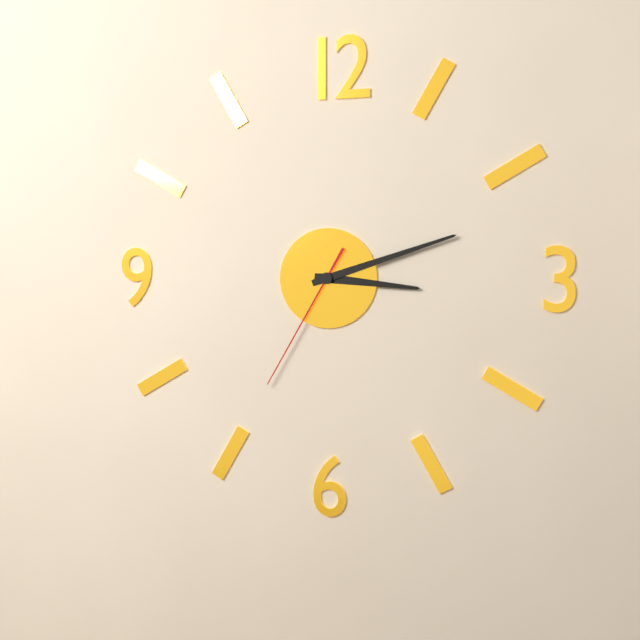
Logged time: **3:12:35**
